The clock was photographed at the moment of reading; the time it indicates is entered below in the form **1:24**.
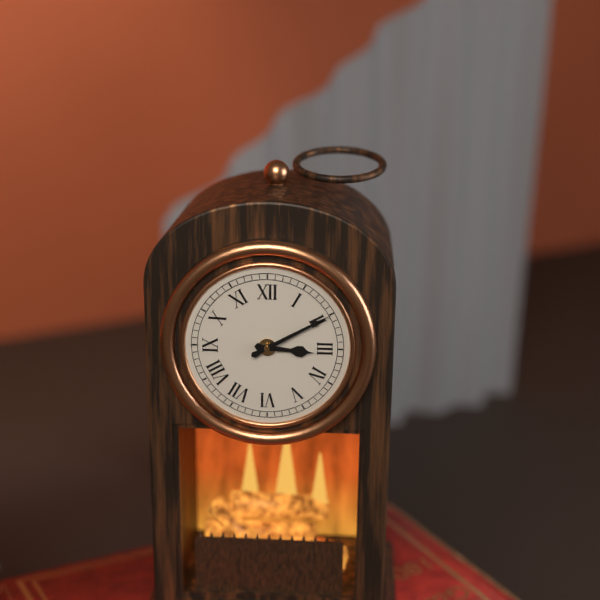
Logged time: **3:10**
